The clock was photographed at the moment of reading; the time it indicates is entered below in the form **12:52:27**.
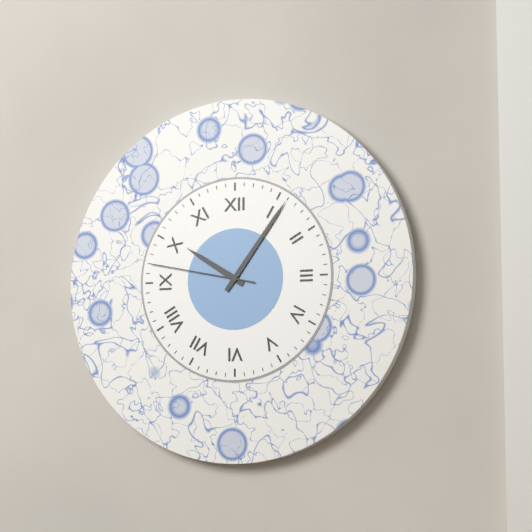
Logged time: **10:06:47**
